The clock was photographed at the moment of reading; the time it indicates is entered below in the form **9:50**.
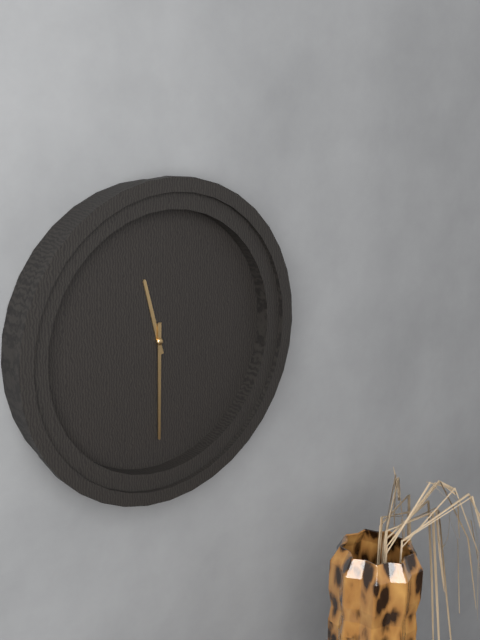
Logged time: **11:30**
